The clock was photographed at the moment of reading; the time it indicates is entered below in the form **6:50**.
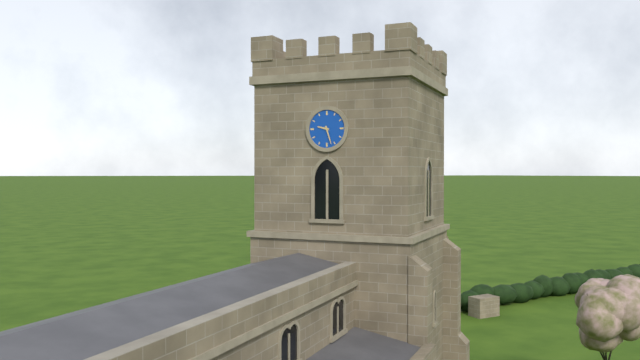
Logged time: **9:27**
